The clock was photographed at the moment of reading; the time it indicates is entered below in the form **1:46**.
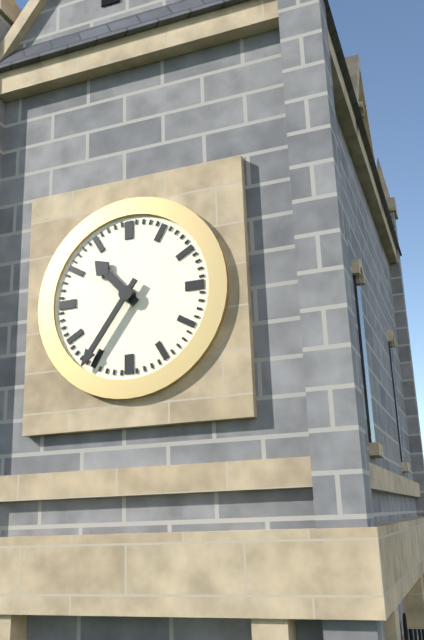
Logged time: **10:36**
